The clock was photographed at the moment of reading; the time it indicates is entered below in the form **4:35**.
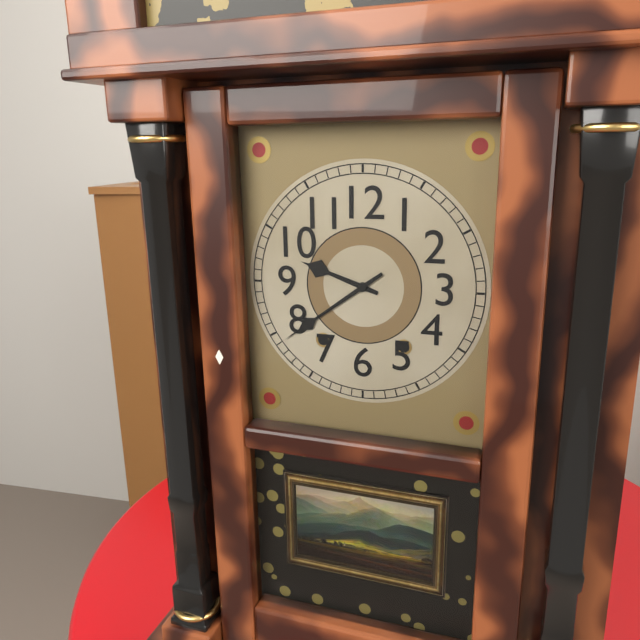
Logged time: **9:39**
